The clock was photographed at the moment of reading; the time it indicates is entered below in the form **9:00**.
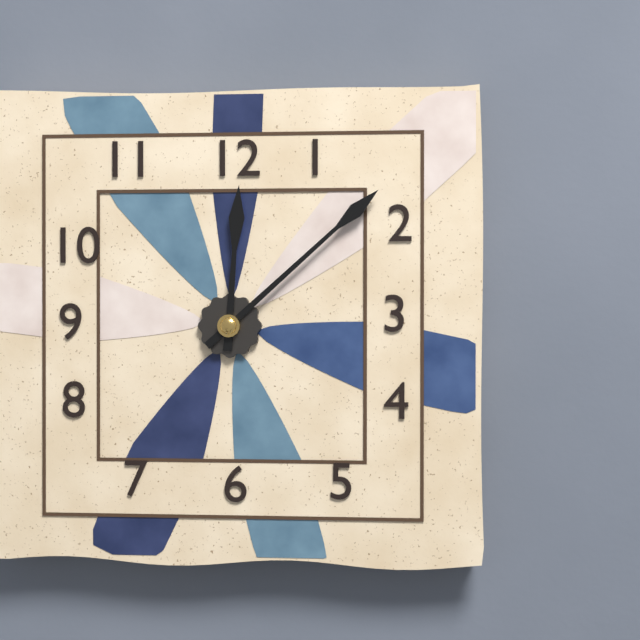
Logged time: **12:08**
